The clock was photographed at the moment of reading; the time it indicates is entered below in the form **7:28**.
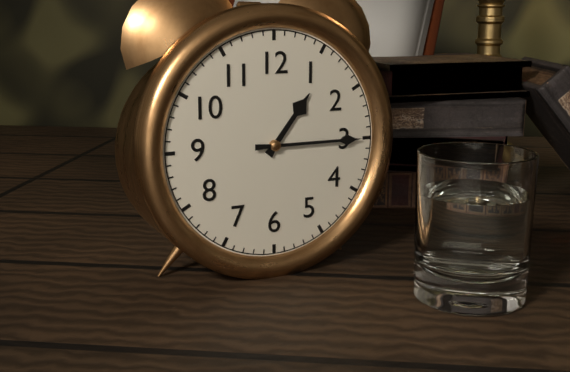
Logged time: **1:15**
